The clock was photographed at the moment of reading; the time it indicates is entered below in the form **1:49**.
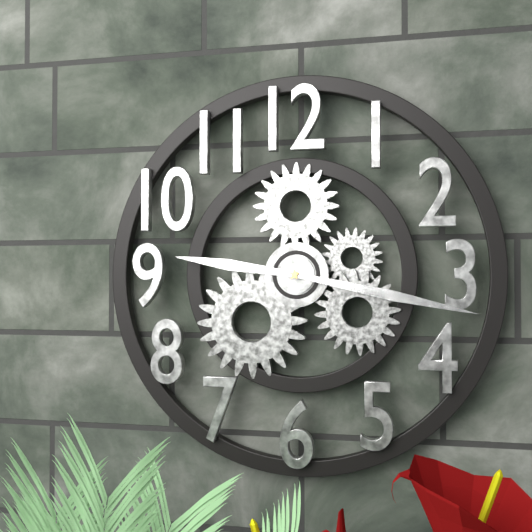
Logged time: **9:17**
